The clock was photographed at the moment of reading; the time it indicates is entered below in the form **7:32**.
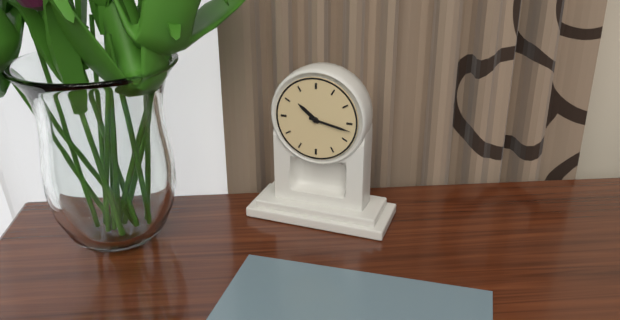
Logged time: **10:17**
